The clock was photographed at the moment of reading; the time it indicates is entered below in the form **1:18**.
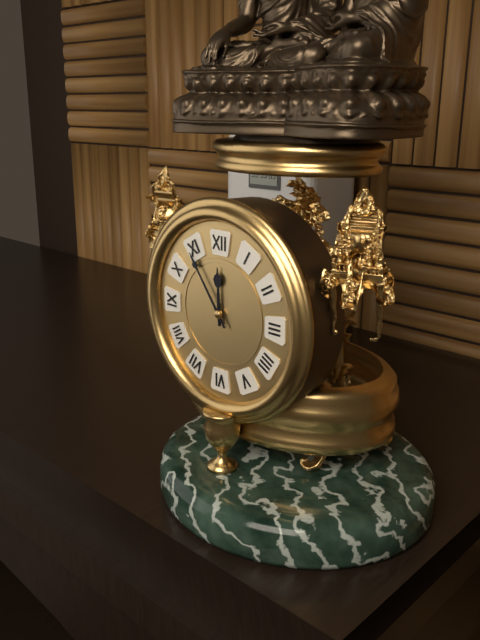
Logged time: **11:54**
